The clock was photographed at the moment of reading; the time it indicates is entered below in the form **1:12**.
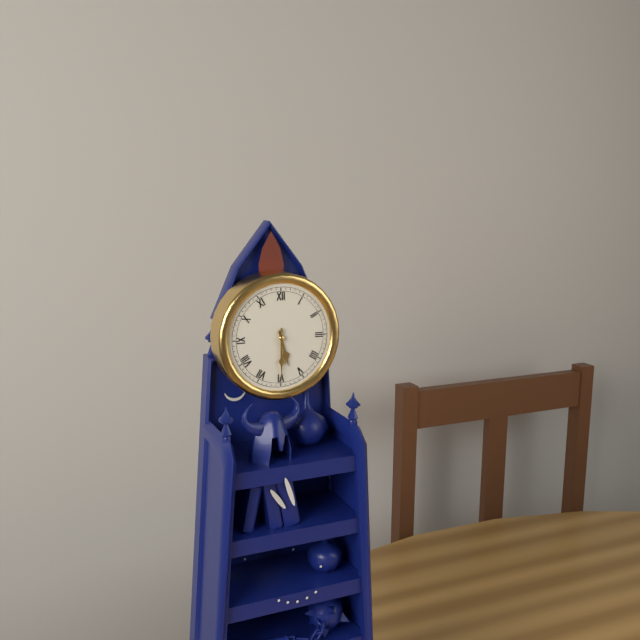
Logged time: **5:30**
